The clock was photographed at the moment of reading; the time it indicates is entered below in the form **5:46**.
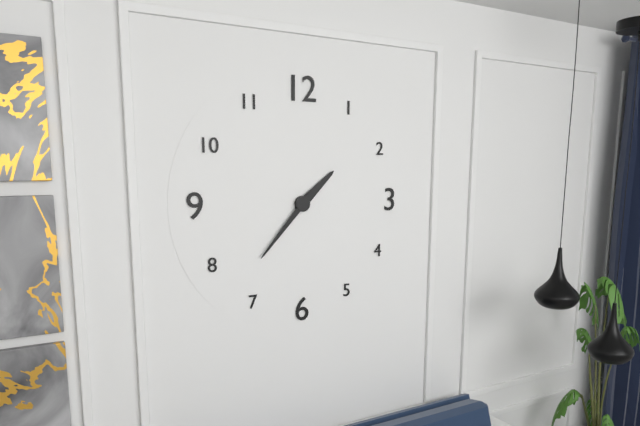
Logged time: **1:37**
